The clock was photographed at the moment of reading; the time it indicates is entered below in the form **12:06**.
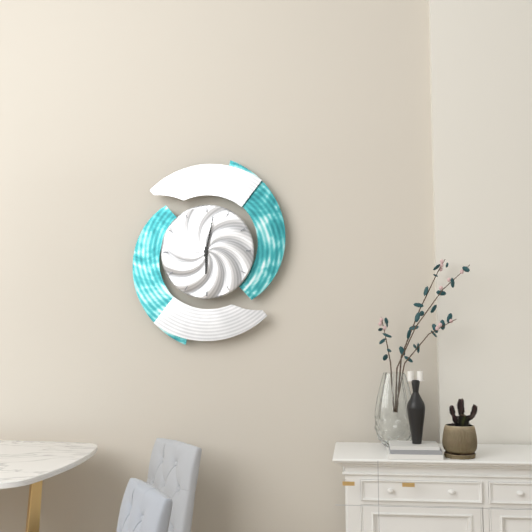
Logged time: **6:02**
